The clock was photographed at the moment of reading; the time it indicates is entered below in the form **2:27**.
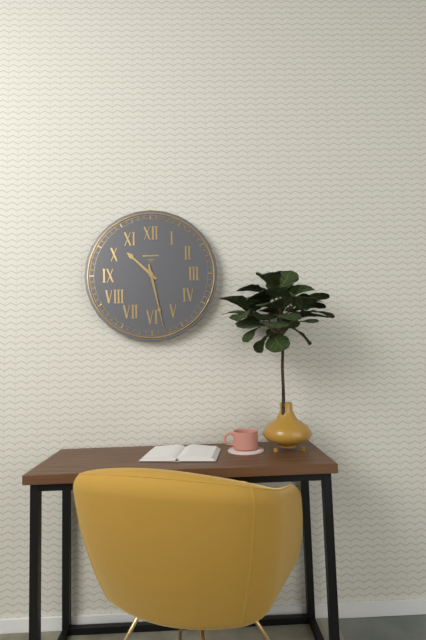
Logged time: **10:28**
